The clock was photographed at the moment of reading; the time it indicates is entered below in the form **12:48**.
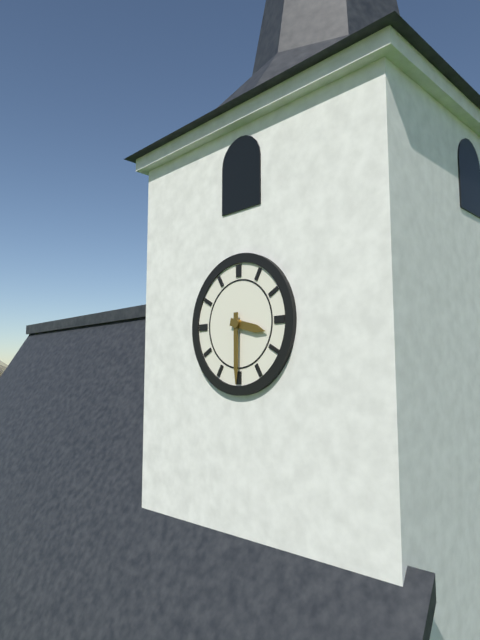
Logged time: **3:30**
